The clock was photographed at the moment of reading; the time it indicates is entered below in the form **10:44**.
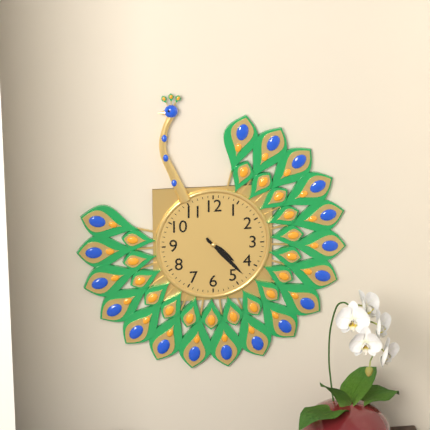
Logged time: **4:23**
